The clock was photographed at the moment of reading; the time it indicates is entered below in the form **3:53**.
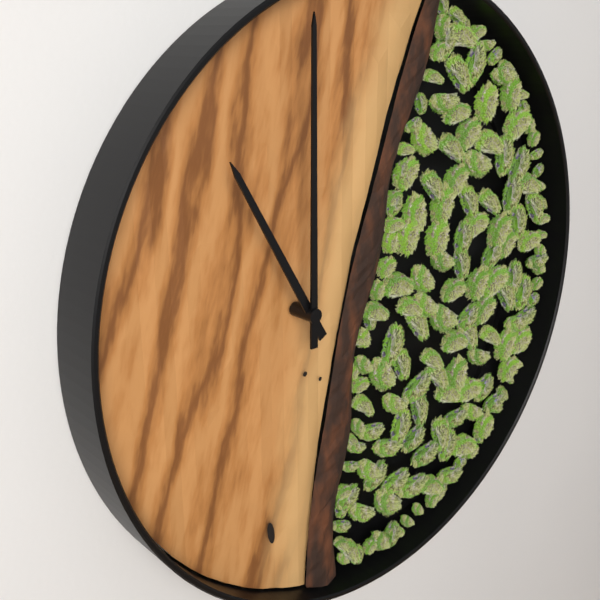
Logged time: **11:00**
